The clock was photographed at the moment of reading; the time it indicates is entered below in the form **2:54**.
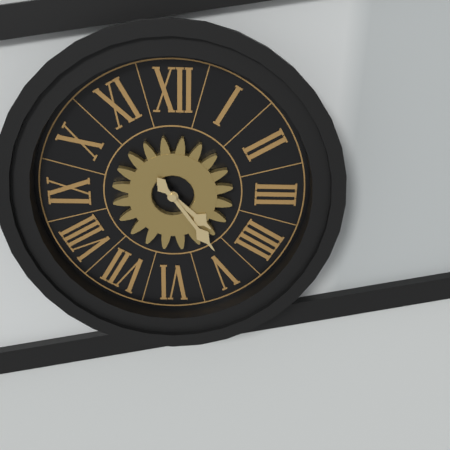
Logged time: **4:24**
